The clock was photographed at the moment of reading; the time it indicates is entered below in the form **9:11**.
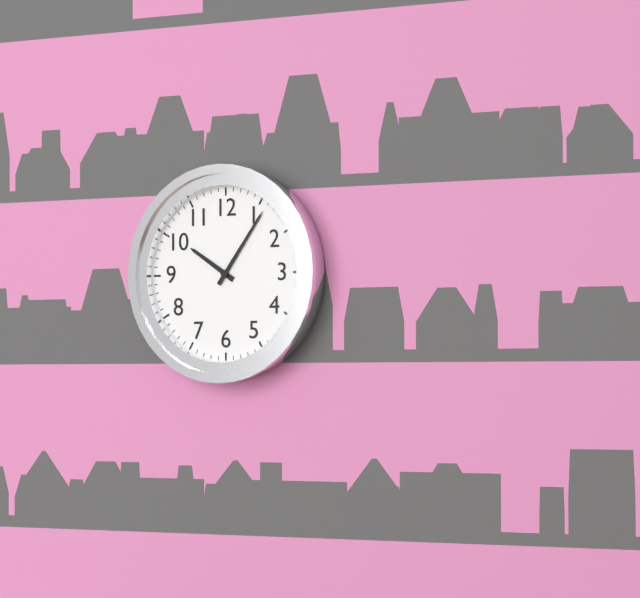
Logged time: **10:06**
